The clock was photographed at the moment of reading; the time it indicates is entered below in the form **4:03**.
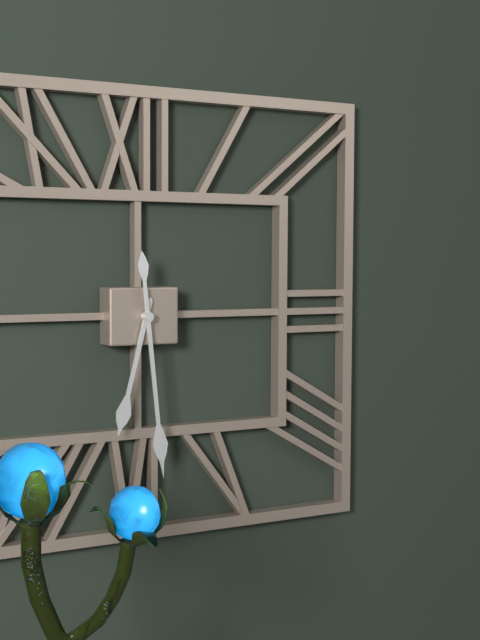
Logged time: **6:29**
